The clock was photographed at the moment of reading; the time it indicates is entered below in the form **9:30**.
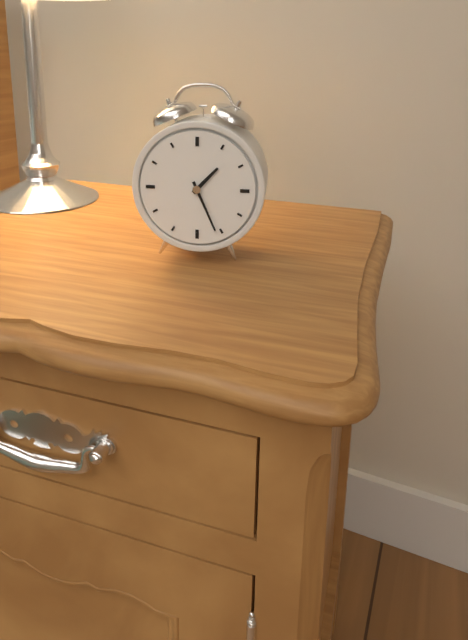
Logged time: **1:26**
